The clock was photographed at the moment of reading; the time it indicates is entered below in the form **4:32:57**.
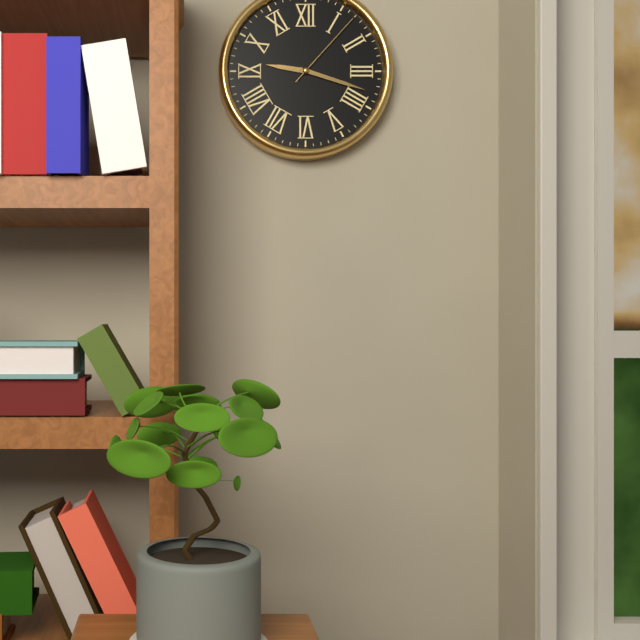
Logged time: **9:18:07**
